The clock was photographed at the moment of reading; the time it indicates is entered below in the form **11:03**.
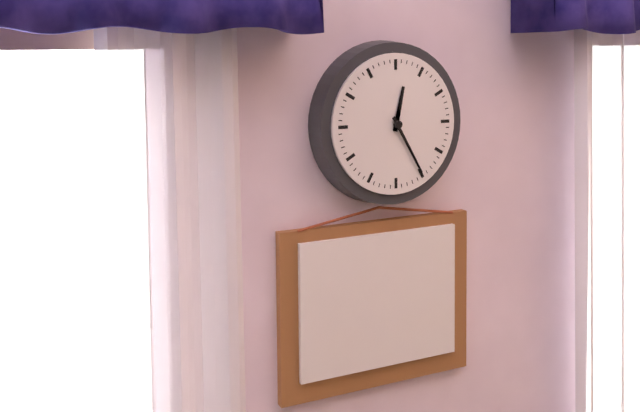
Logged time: **12:25**
